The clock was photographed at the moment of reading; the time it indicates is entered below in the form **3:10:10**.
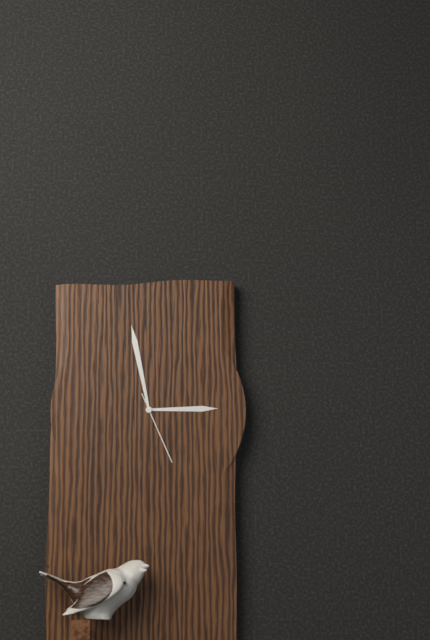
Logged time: **2:58:26**
